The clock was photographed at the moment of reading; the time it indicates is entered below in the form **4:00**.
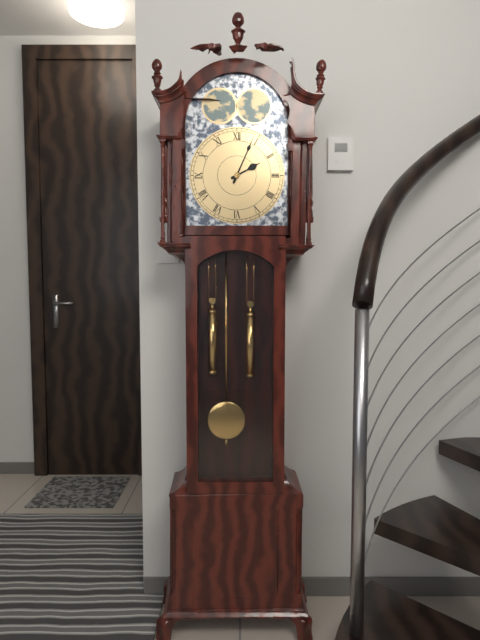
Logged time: **2:04**
